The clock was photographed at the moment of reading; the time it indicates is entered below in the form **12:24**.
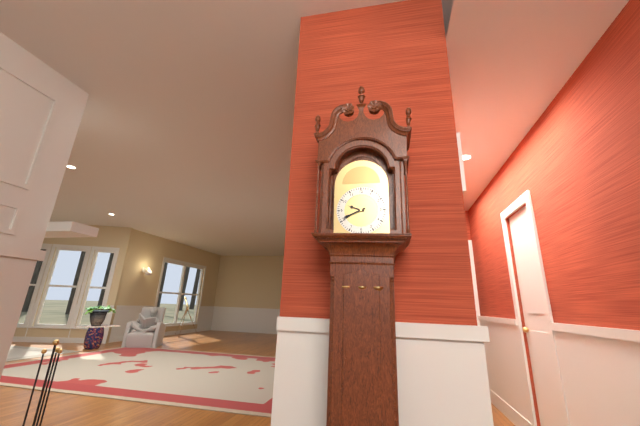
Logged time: **9:41**
